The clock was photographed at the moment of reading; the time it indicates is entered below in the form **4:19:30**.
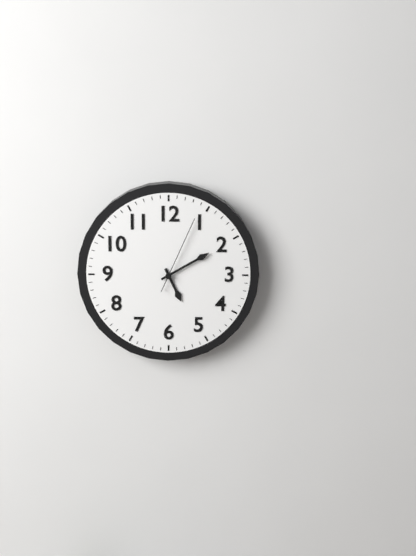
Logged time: **5:10:04**
